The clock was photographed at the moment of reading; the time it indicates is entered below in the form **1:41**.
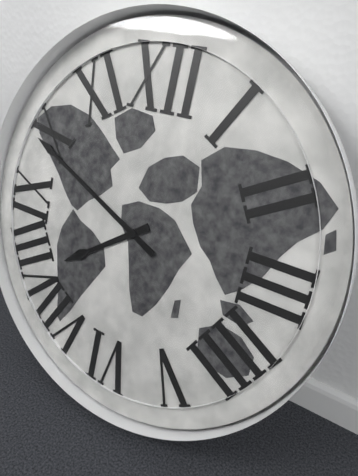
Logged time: **7:49**
